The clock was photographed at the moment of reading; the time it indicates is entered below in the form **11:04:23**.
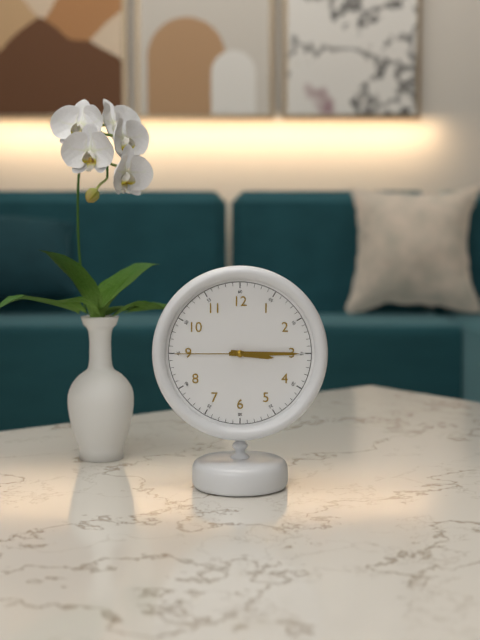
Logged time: **3:15:45**
